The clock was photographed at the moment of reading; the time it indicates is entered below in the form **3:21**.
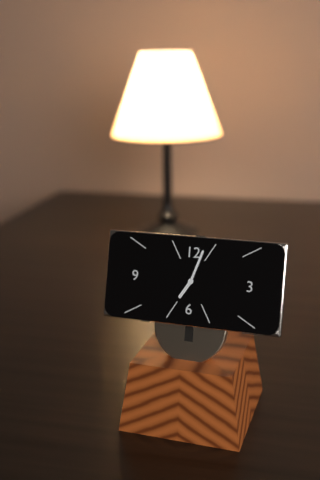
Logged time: **7:03**
